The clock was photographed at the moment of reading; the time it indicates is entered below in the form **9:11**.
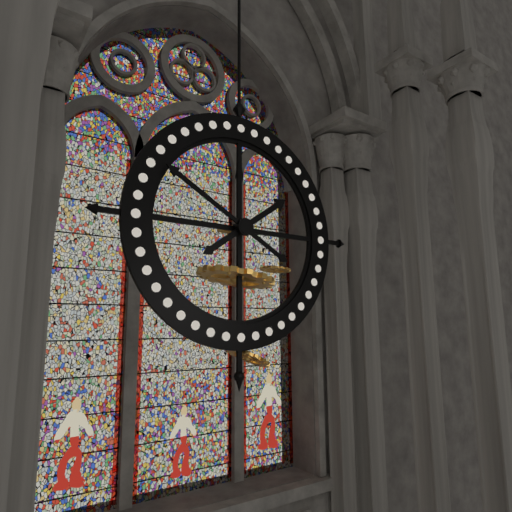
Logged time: **1:50**
